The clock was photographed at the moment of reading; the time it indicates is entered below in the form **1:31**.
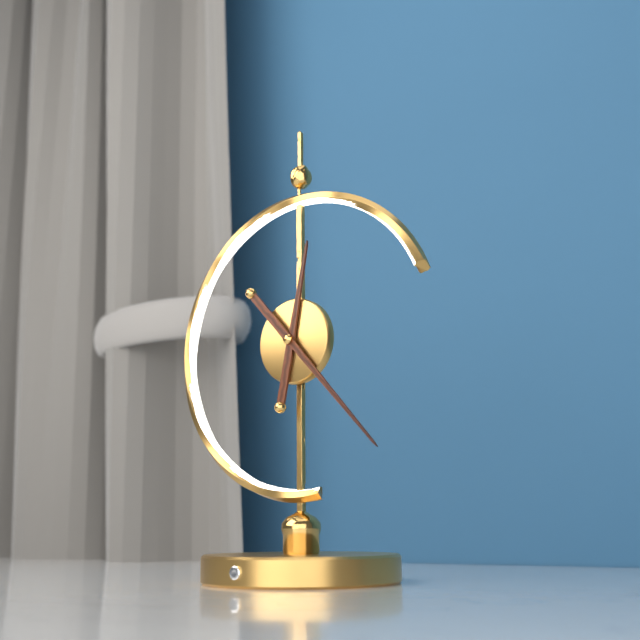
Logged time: **12:23**
